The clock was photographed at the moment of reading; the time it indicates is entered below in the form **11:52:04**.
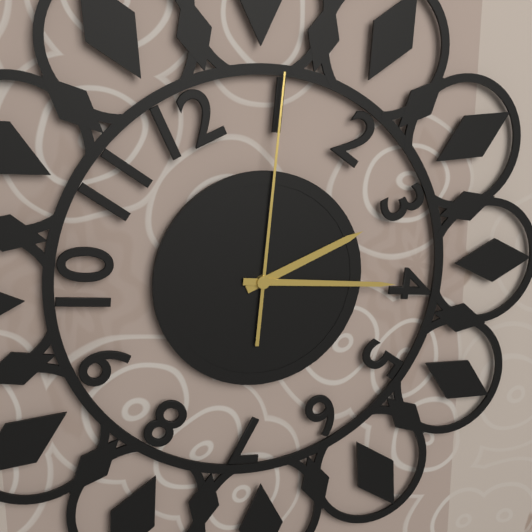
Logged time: **2:16:01**
